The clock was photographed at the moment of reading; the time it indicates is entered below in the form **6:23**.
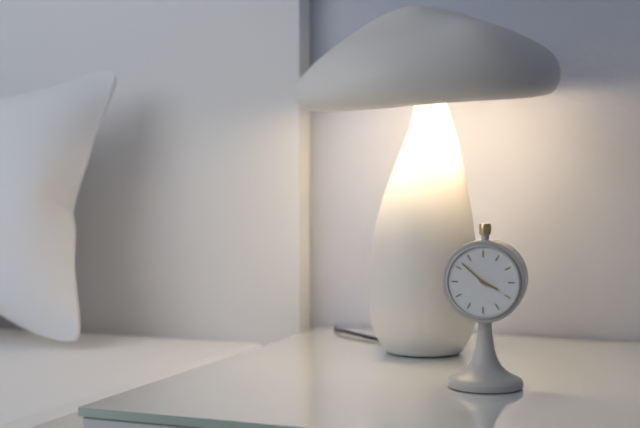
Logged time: **3:52**
